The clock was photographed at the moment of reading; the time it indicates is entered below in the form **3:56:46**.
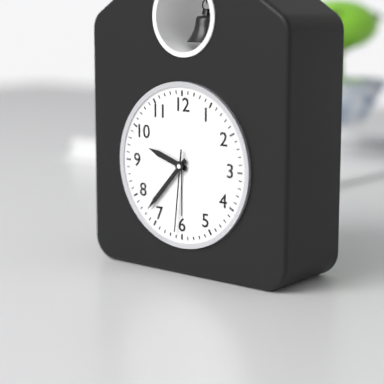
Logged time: **9:37:31**
